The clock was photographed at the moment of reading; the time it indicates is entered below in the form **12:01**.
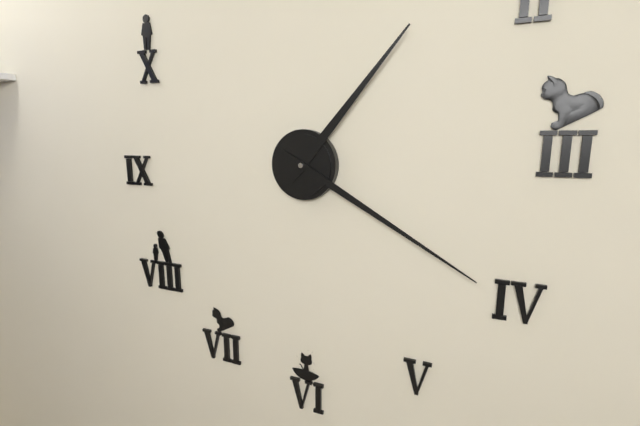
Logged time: **1:20**
